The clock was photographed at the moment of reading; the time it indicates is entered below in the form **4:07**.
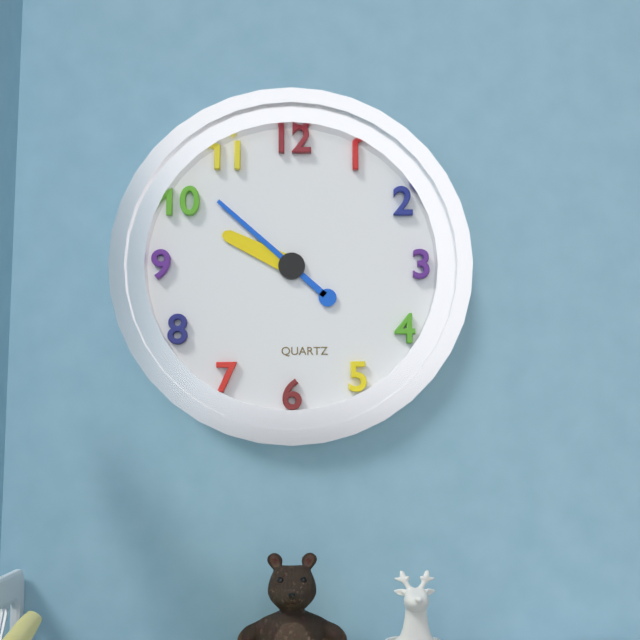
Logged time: **9:52**
